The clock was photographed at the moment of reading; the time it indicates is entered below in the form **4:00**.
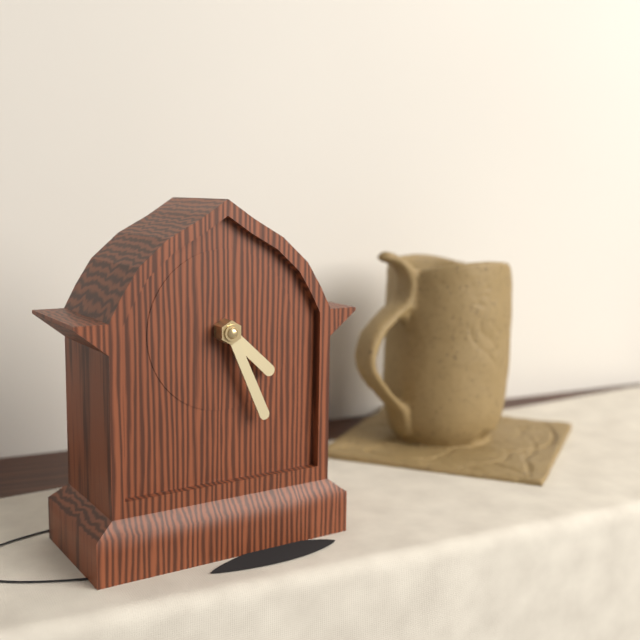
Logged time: **4:26**
